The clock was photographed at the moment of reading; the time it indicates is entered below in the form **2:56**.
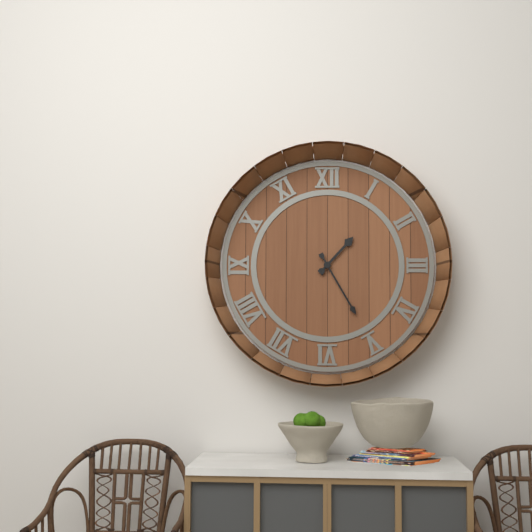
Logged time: **1:25**
